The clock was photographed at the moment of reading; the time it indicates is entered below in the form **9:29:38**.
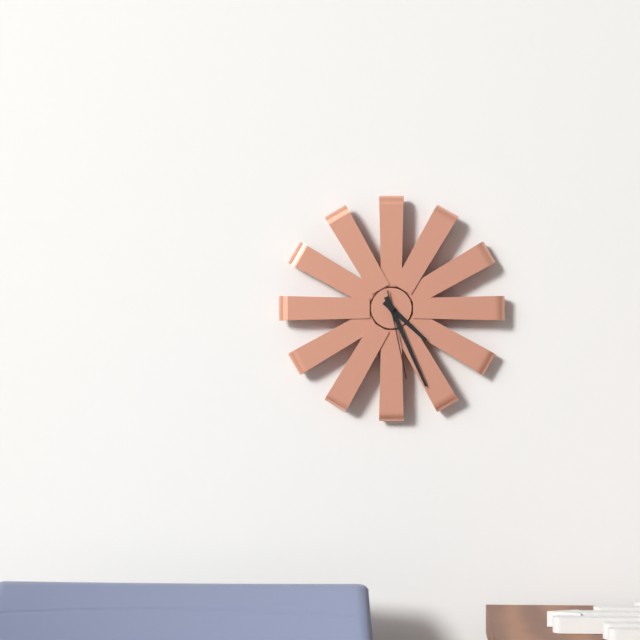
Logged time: **4:26:28**
